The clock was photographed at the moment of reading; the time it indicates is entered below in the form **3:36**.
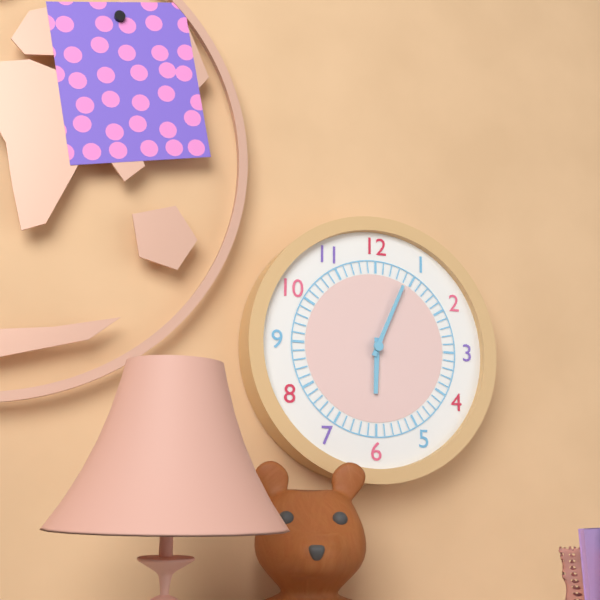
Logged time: **6:04**
